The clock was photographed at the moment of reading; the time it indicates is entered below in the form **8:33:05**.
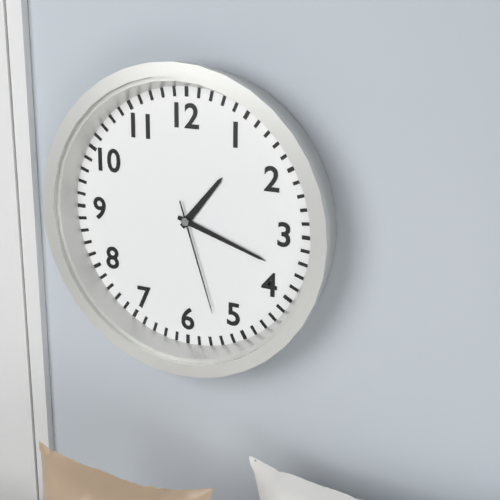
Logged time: **1:18:27**
